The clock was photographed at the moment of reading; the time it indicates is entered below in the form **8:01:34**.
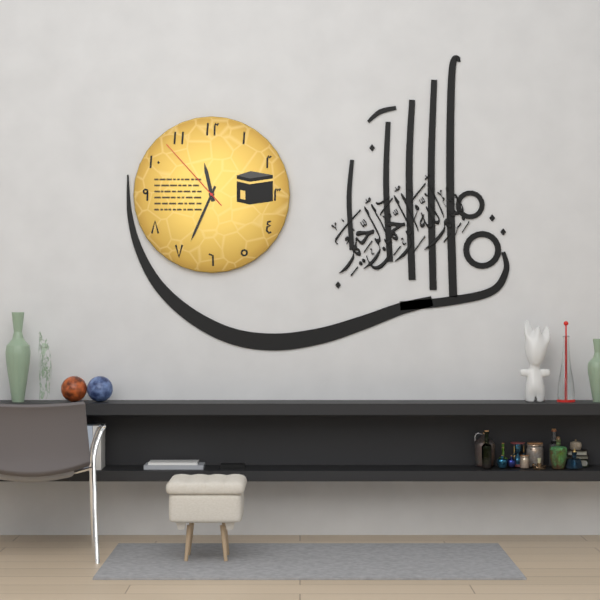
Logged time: **11:34:53**
